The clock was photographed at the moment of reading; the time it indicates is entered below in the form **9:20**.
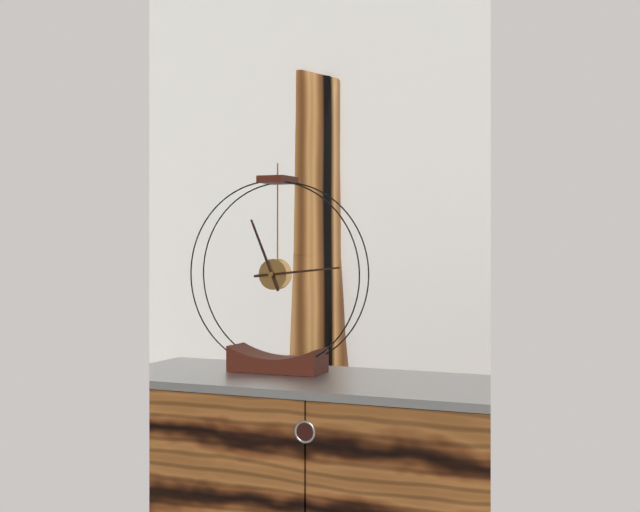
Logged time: **11:14**
